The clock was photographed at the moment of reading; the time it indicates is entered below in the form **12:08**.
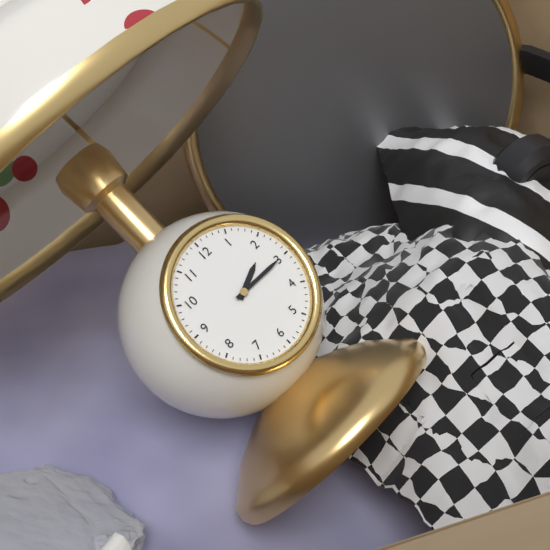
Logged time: **2:15**
